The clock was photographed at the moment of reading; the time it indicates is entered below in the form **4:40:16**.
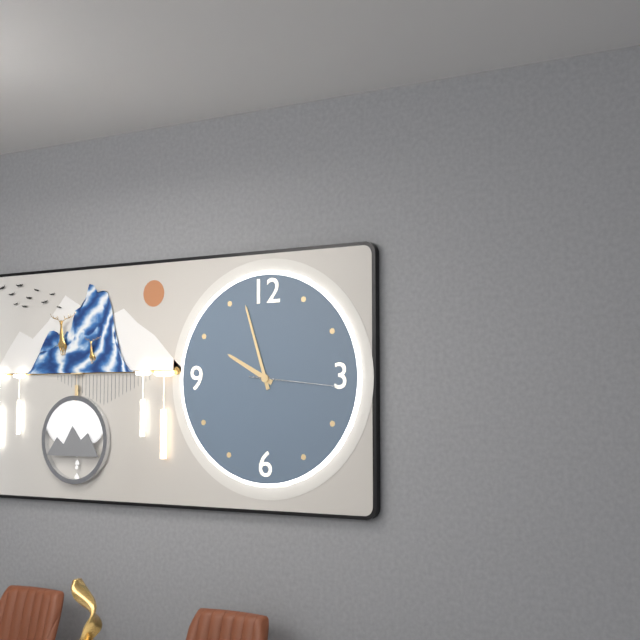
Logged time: **9:57:16**
